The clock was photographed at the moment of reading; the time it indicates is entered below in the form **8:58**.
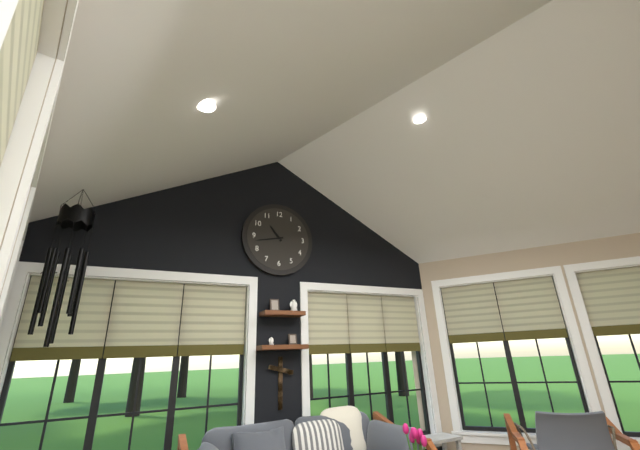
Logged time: **10:43**
